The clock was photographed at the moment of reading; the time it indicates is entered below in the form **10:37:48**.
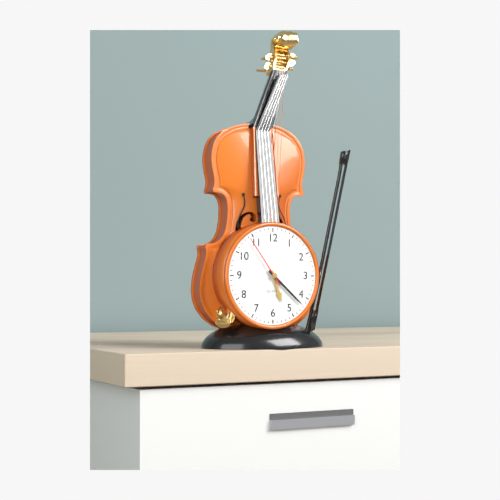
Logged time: **5:22:54**
